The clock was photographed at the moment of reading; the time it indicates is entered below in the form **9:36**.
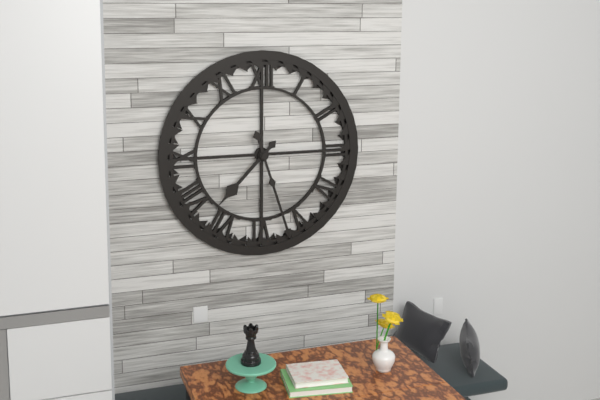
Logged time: **7:27**
